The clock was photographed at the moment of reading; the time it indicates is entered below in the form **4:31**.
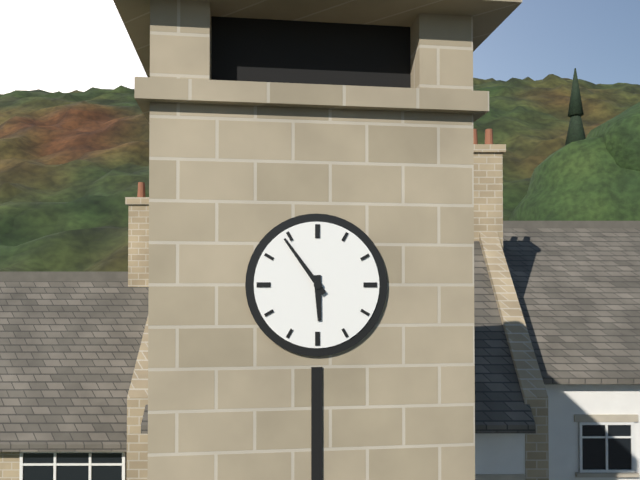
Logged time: **5:54**
